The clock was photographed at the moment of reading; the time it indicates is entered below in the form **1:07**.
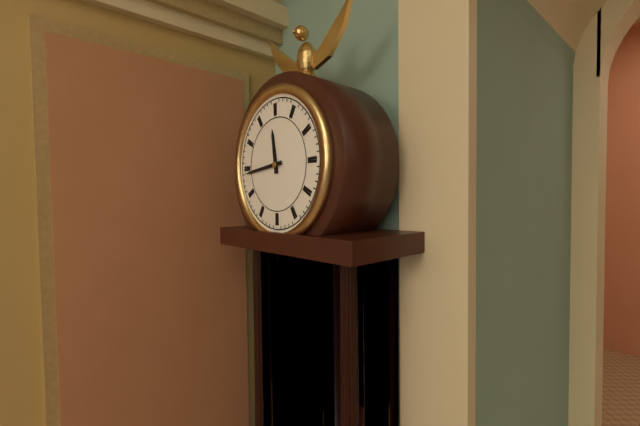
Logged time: **11:44**
